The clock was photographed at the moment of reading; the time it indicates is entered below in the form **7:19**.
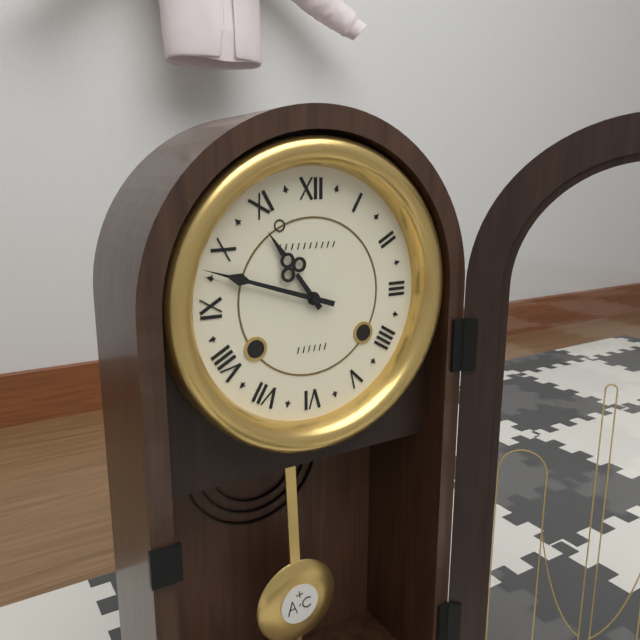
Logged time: **10:48**
